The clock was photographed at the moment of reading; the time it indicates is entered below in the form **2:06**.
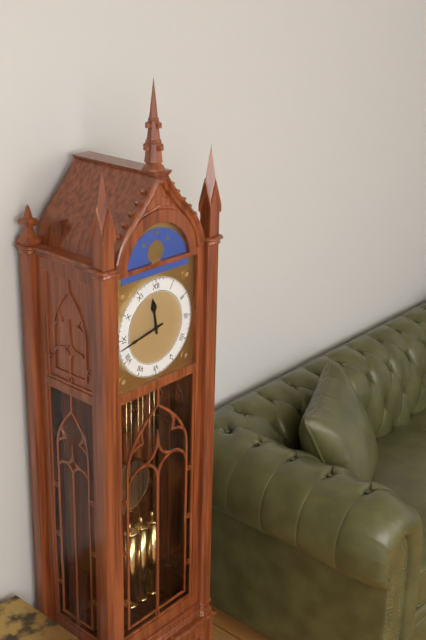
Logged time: **11:43**
